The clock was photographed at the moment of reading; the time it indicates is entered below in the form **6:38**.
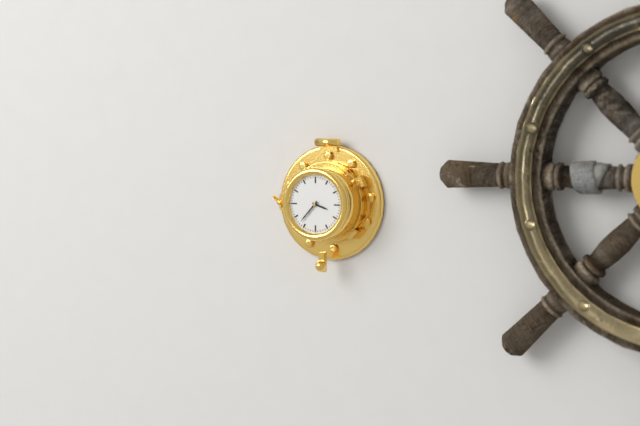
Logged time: **3:37**
